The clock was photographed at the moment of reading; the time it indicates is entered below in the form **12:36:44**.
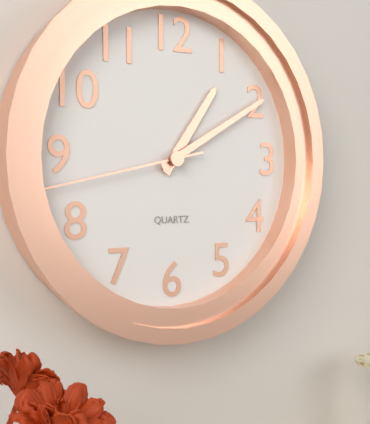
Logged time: **1:10:43**
